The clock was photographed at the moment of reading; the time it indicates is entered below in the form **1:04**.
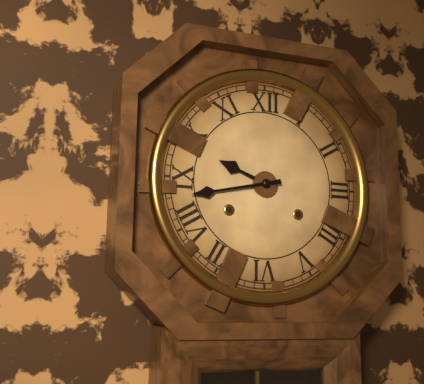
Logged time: **9:43**
